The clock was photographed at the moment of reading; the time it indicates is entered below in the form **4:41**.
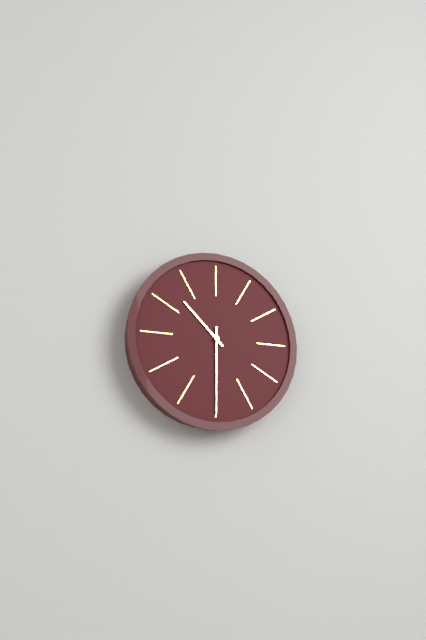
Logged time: **10:30**
